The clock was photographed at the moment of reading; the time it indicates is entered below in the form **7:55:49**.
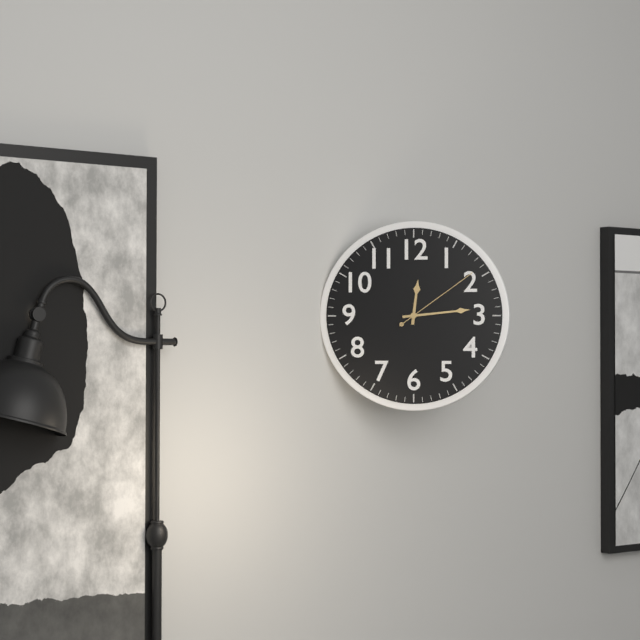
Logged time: **12:14:09**
